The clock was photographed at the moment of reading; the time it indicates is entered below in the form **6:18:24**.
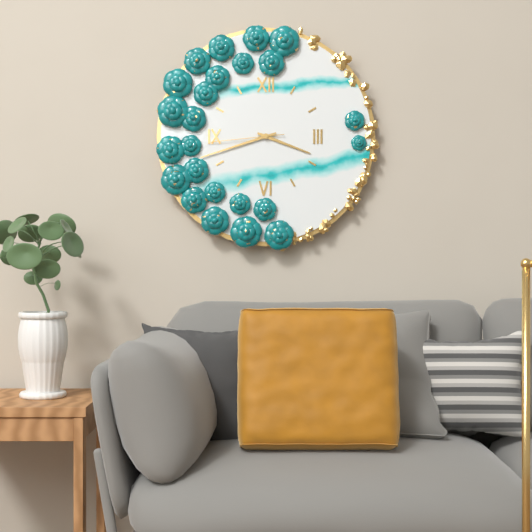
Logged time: **3:42:44**
